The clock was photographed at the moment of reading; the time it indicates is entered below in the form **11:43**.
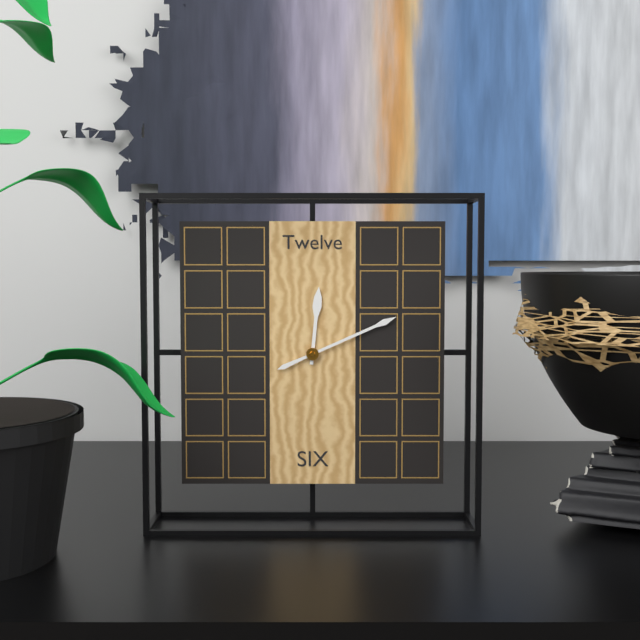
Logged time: **12:11**
